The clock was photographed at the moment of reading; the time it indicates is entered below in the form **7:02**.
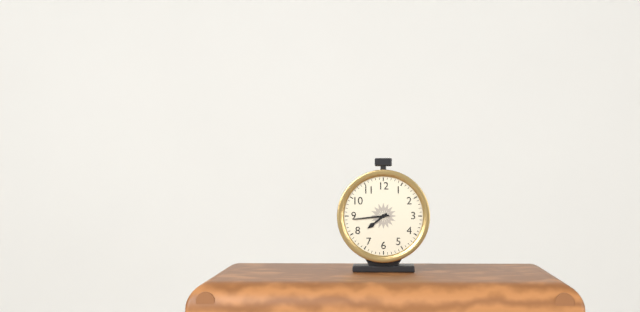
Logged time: **7:44**
